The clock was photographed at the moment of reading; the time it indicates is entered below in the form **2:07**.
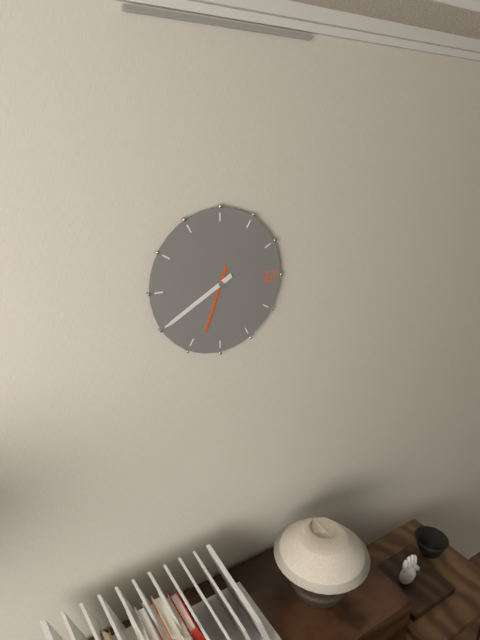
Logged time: **6:40**
